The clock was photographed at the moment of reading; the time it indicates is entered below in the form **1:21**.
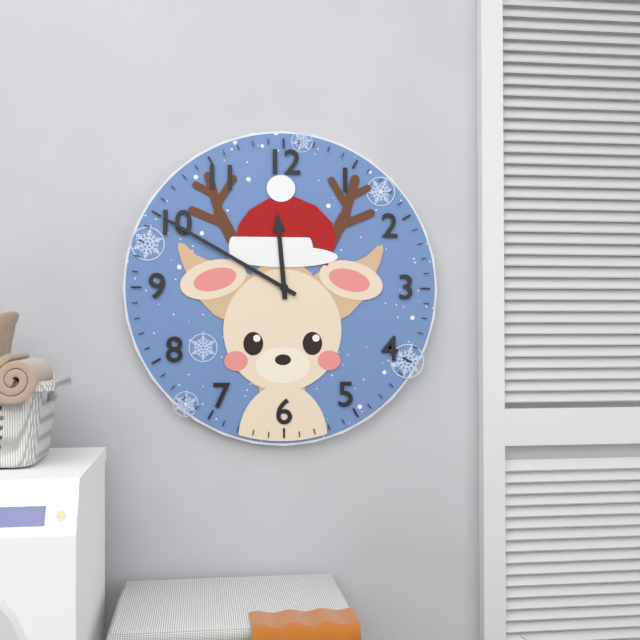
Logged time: **11:50**
